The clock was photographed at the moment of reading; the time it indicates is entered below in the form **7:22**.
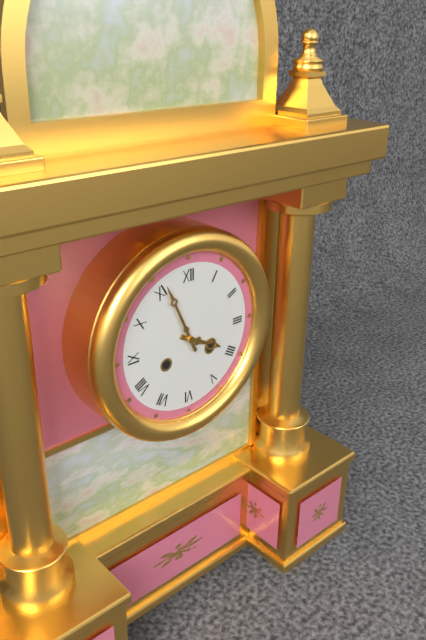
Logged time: **3:56**
